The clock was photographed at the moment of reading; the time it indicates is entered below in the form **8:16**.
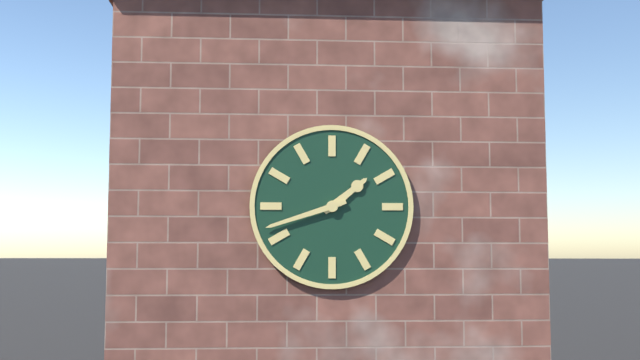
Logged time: **1:42**
